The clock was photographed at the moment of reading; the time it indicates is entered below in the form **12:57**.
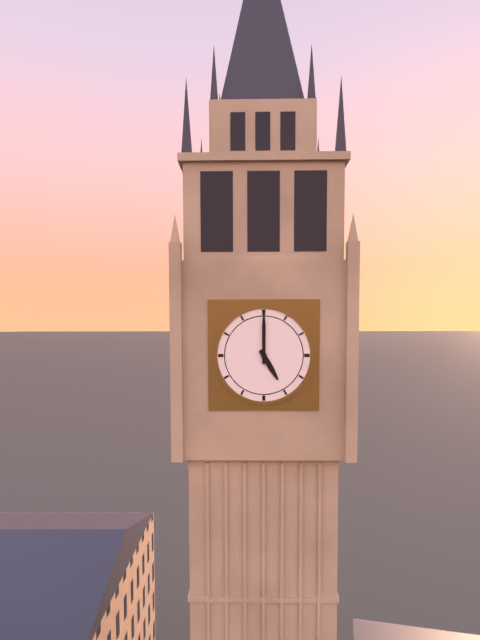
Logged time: **5:00**
